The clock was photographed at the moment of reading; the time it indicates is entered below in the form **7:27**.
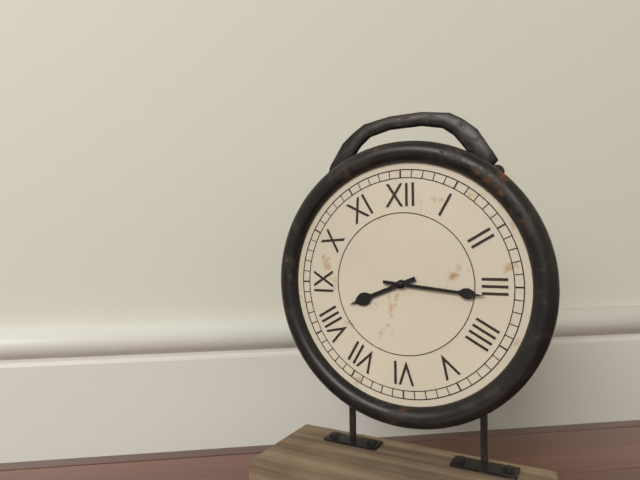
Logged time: **8:16**
